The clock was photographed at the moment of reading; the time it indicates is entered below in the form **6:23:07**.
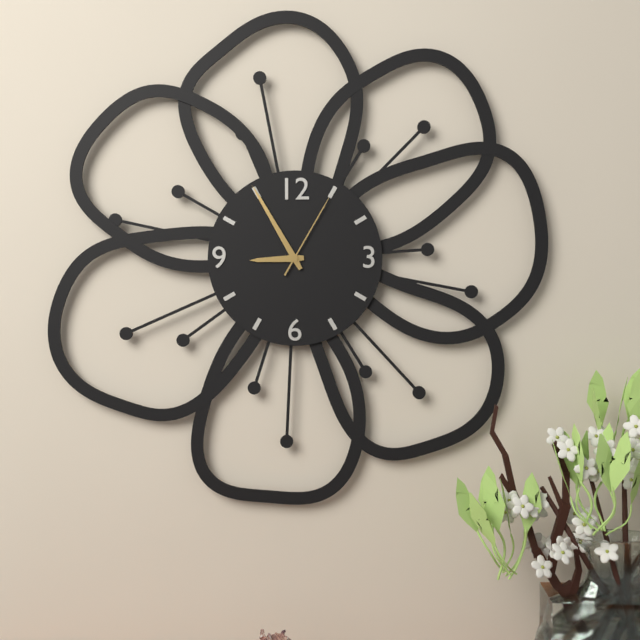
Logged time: **8:55:05**
